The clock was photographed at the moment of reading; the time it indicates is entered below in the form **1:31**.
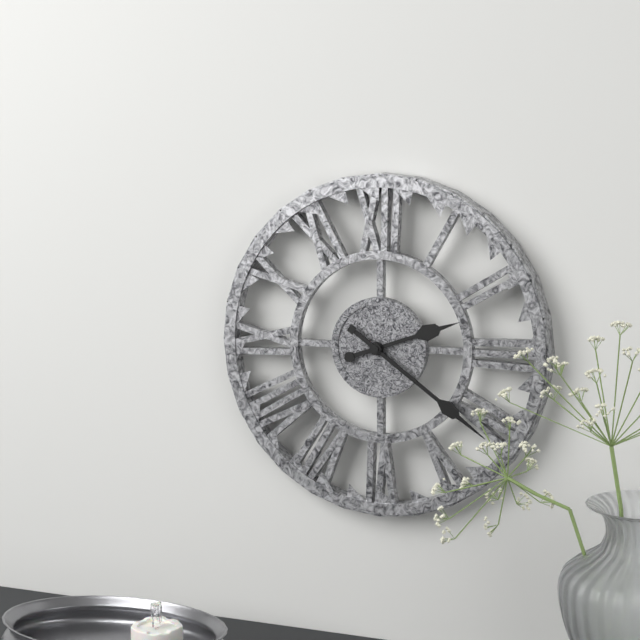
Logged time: **2:21**
